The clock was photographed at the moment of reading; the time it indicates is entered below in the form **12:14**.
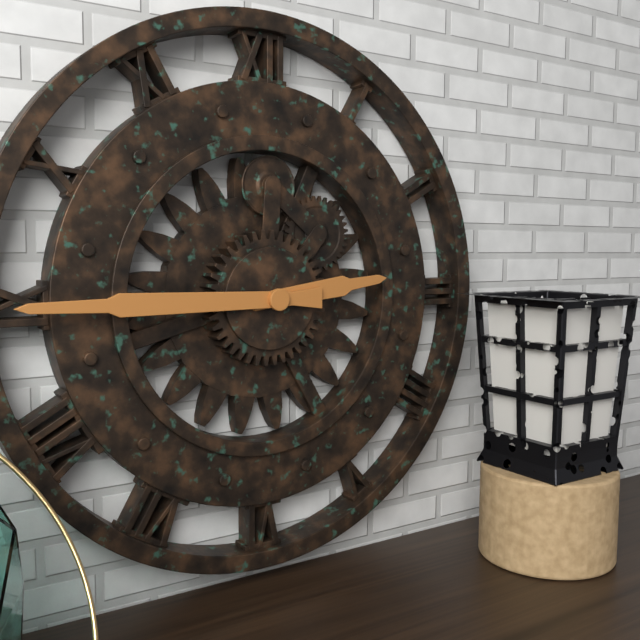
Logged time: **2:45**
